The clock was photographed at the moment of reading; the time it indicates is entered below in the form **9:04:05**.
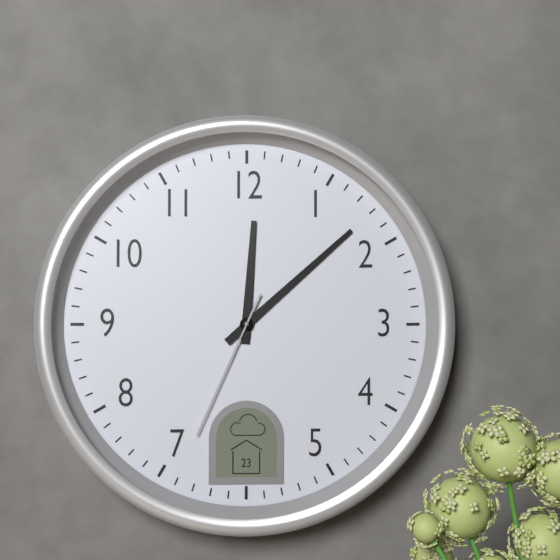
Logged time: **12:08:34**
